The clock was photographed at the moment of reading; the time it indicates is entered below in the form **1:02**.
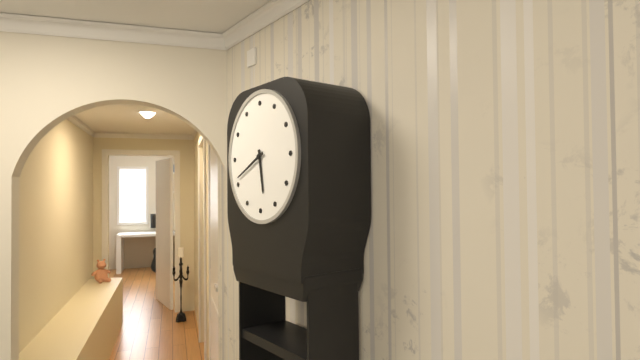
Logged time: **5:41**
